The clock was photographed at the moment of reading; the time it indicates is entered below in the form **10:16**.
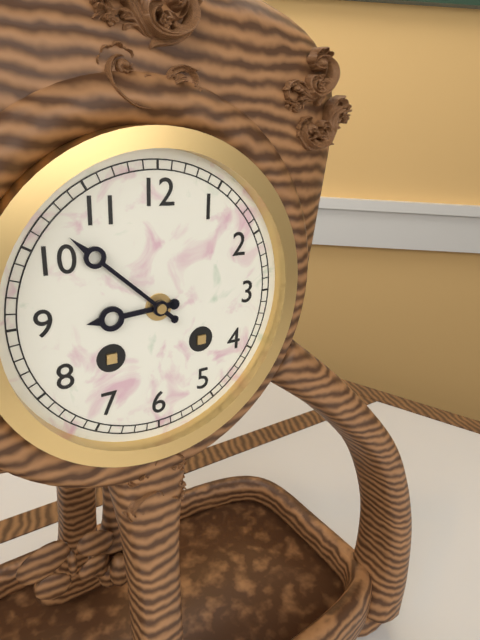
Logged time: **8:52**
